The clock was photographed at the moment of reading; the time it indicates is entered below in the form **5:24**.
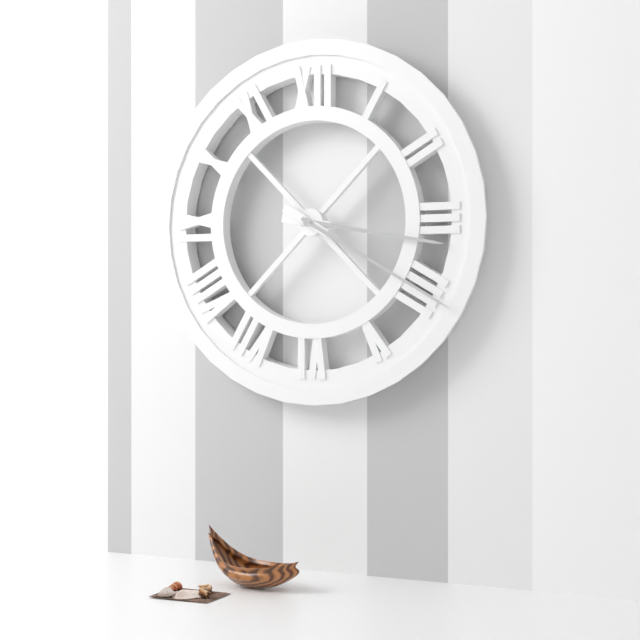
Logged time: **3:20**
